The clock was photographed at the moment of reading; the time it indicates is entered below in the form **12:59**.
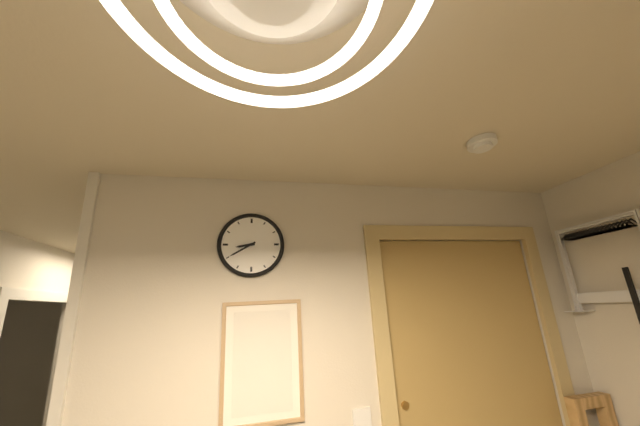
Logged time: **8:40**
